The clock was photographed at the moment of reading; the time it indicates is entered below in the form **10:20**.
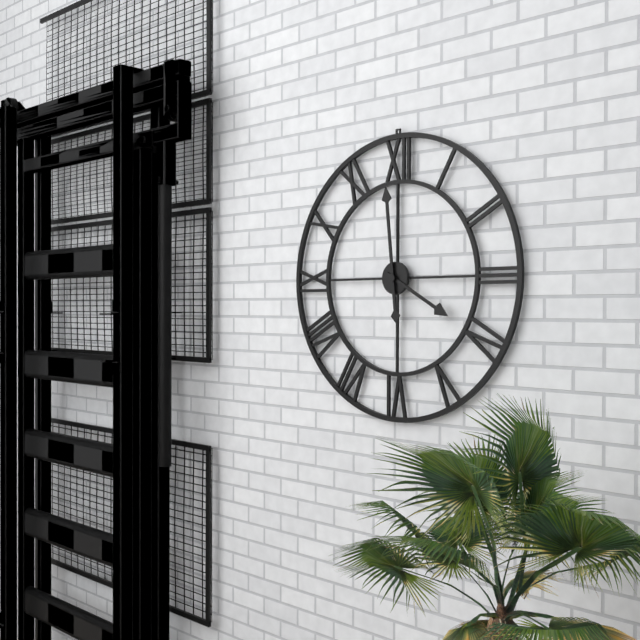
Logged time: **3:59**
